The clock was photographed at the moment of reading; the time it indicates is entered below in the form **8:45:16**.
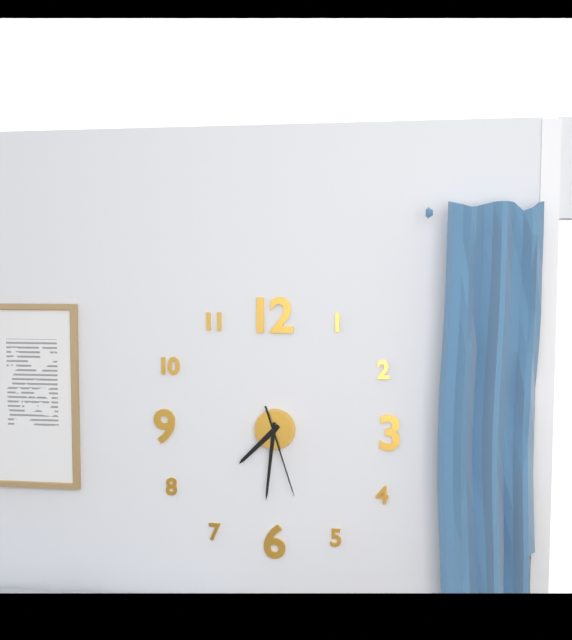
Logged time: **7:31:27**
